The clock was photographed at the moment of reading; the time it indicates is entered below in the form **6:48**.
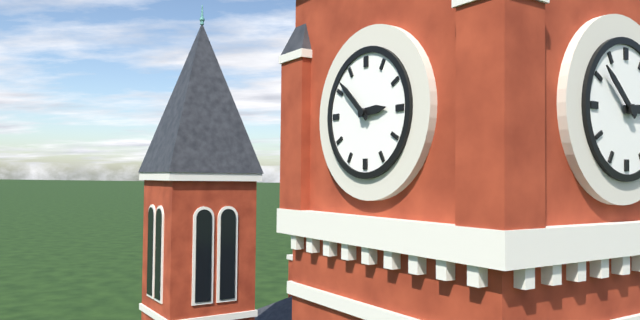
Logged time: **2:52**
